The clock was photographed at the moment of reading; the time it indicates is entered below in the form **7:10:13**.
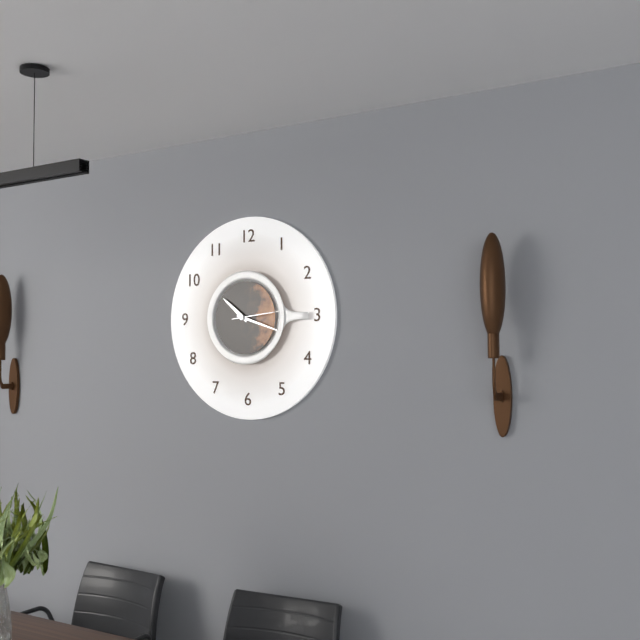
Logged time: **10:18:14**
